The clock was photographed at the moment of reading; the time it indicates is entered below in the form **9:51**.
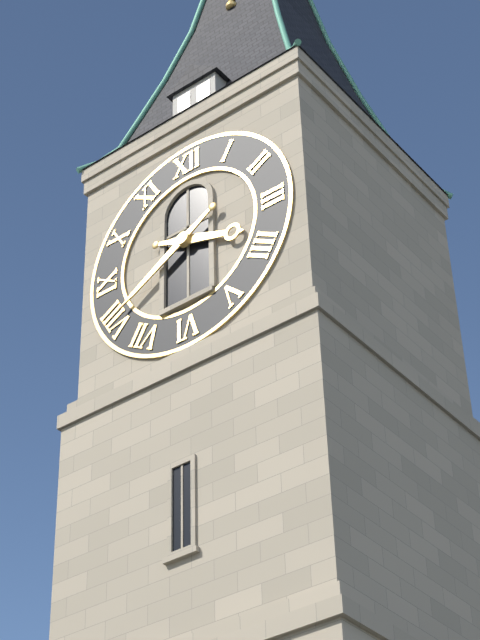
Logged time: **3:40**
